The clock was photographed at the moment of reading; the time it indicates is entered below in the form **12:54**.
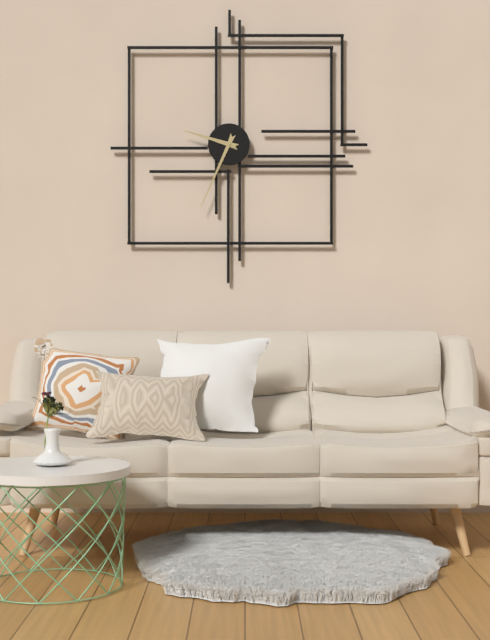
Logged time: **9:34**
